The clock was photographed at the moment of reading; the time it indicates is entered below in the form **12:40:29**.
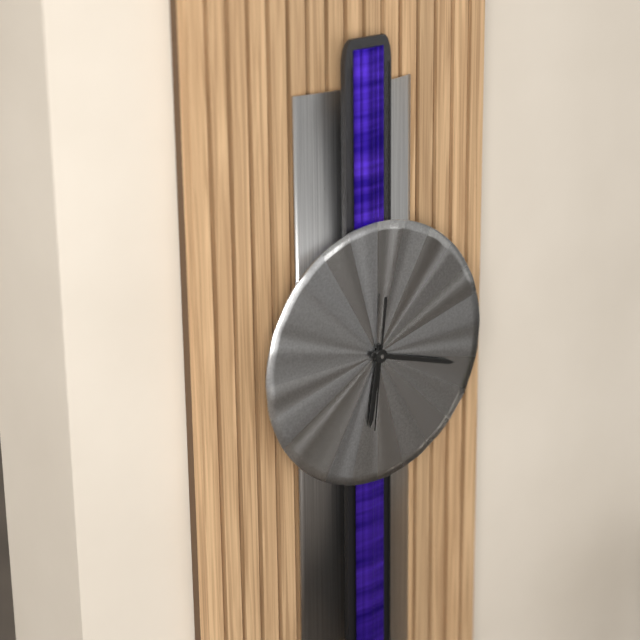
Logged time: **6:18:31**
